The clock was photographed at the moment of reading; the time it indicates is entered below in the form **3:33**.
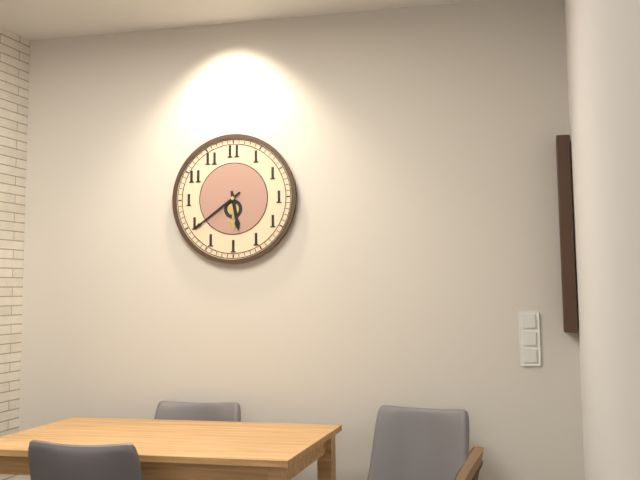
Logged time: **5:39**
